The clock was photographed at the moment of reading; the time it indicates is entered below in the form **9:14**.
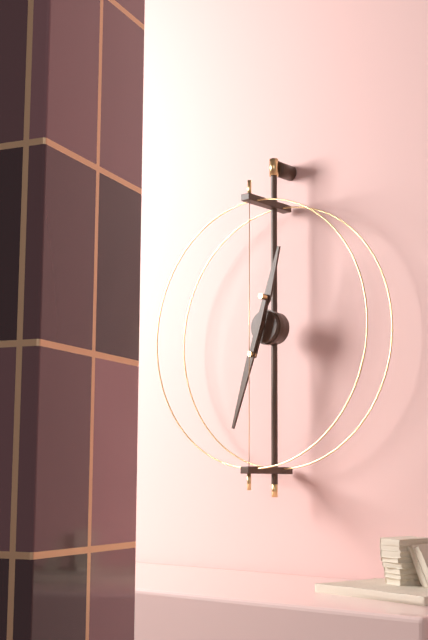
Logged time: **12:33**
